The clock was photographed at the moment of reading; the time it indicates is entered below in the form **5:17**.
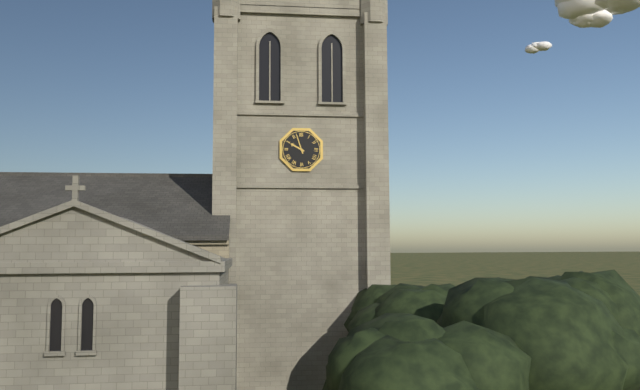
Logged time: **9:57**
